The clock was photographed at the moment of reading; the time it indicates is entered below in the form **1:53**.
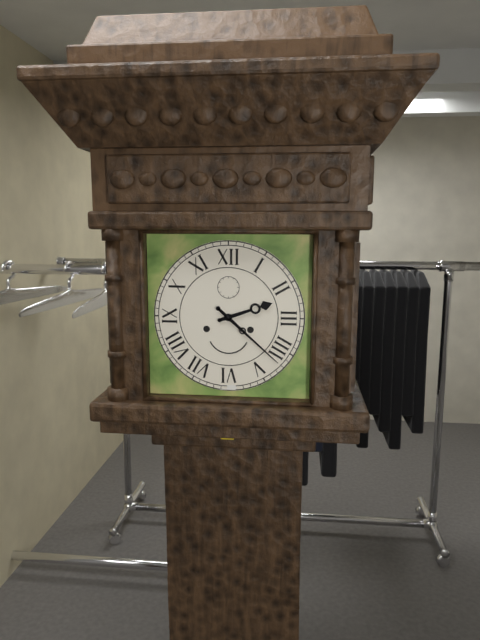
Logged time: **2:22**
